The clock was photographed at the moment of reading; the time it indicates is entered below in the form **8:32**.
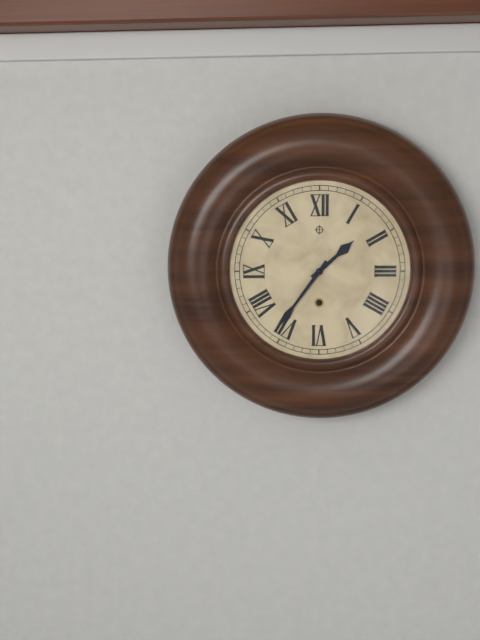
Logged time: **1:36**
